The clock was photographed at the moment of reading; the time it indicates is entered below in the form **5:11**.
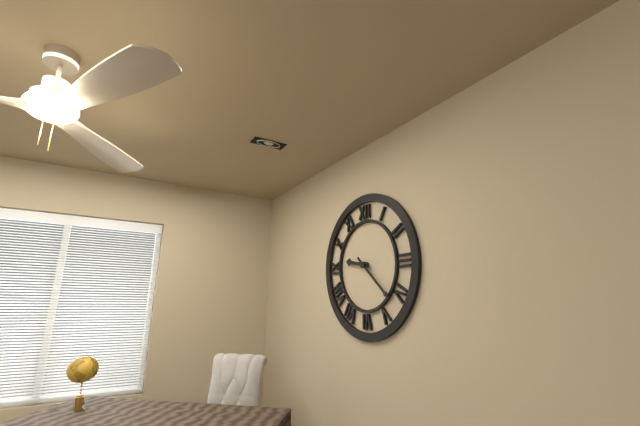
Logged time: **9:22**
